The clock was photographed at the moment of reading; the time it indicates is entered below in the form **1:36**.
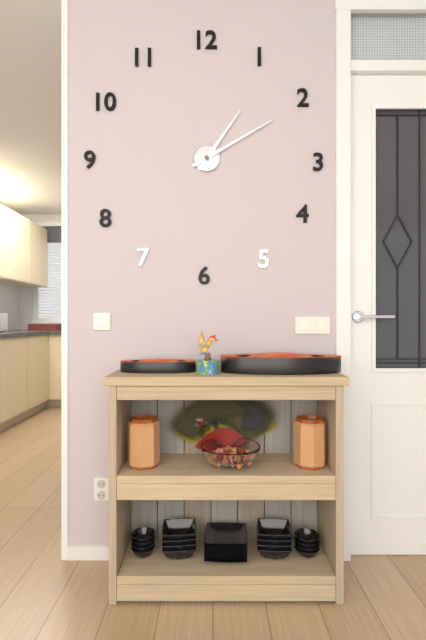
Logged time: **1:10**
